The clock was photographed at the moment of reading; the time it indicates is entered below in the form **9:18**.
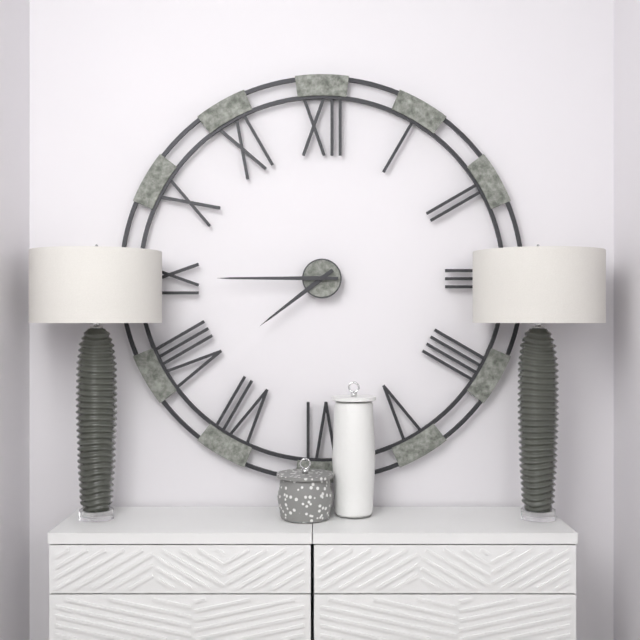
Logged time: **7:45**
